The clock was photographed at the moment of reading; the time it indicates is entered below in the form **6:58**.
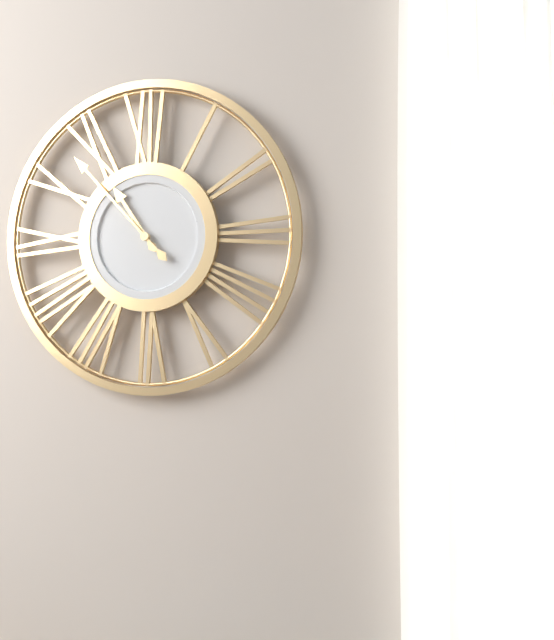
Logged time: **10:53**
